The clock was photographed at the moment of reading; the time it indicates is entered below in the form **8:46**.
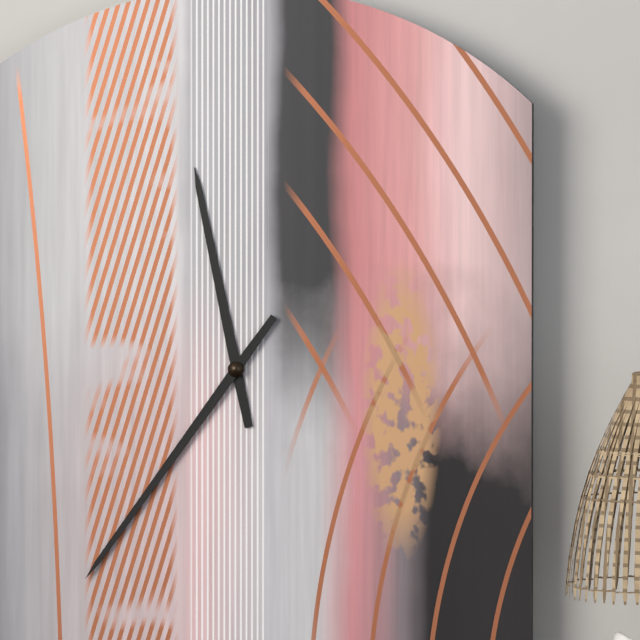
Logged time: **11:36**
